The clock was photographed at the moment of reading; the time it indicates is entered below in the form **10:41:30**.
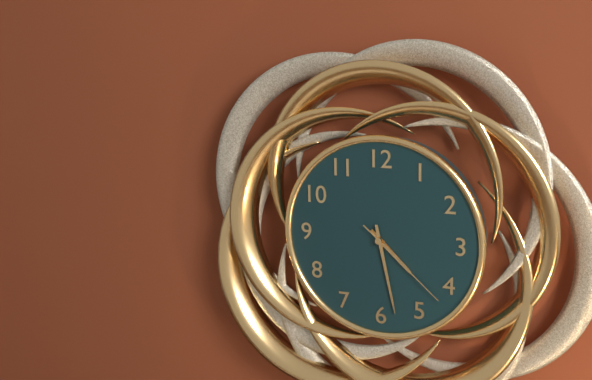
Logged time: **4:28:22**
